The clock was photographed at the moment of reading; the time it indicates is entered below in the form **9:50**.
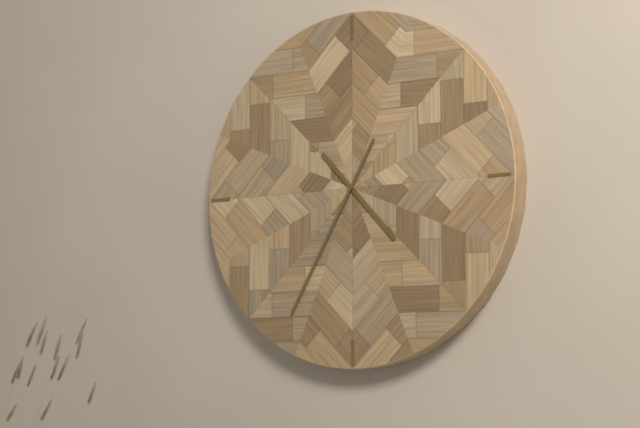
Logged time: **4:35**
